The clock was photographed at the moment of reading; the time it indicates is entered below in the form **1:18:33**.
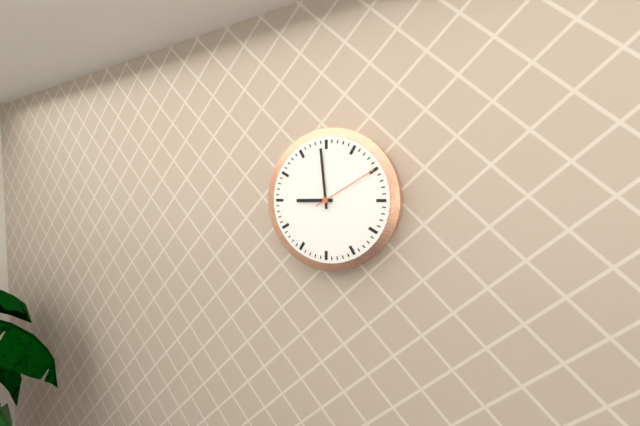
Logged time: **8:59:10**
